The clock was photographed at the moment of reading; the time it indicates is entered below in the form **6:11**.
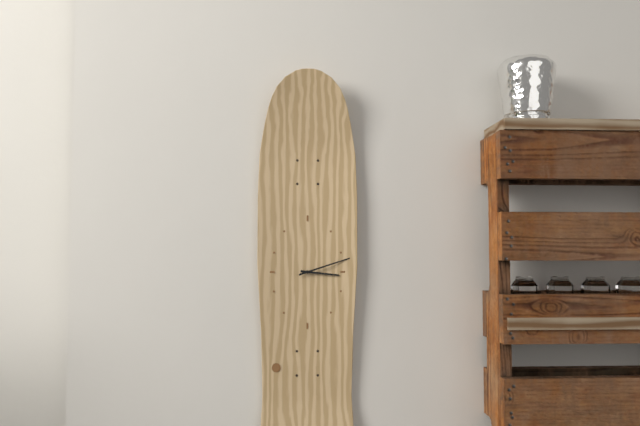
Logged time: **3:12**
